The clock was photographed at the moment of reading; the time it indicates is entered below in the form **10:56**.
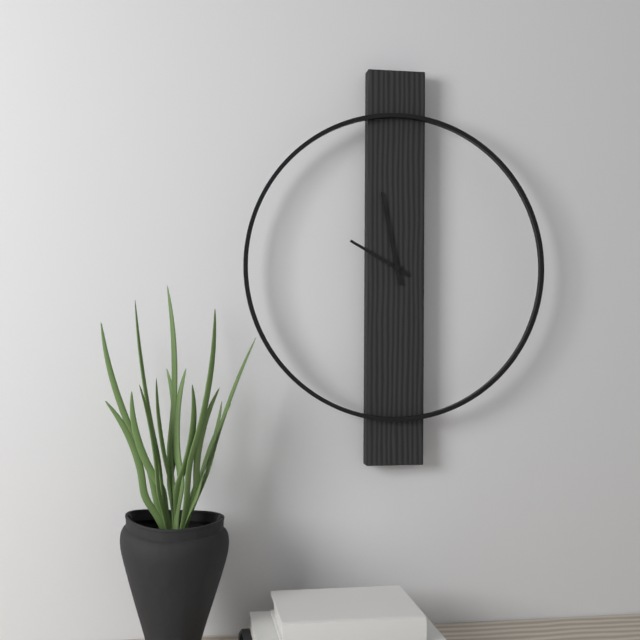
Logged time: **9:58**
